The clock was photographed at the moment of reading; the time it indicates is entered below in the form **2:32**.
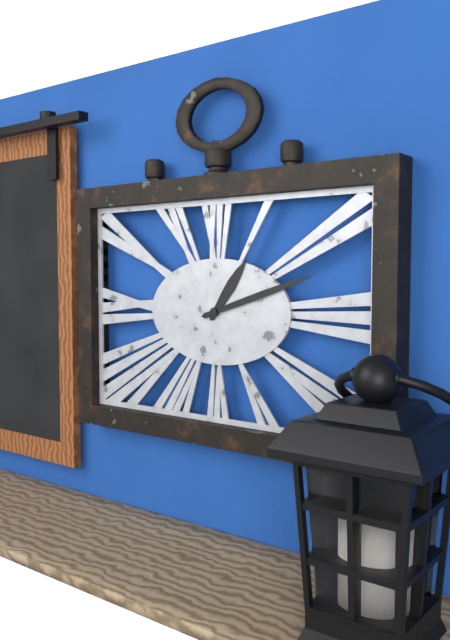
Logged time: **1:12**
